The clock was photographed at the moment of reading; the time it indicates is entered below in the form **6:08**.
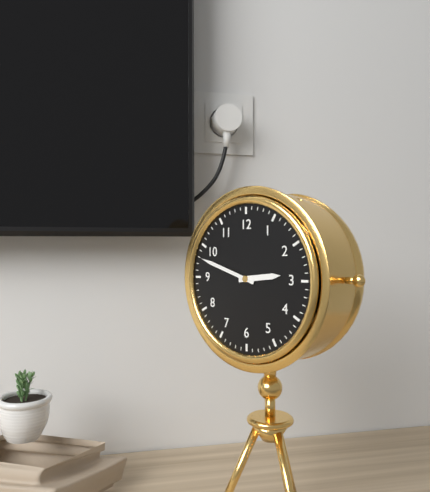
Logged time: **2:48**
